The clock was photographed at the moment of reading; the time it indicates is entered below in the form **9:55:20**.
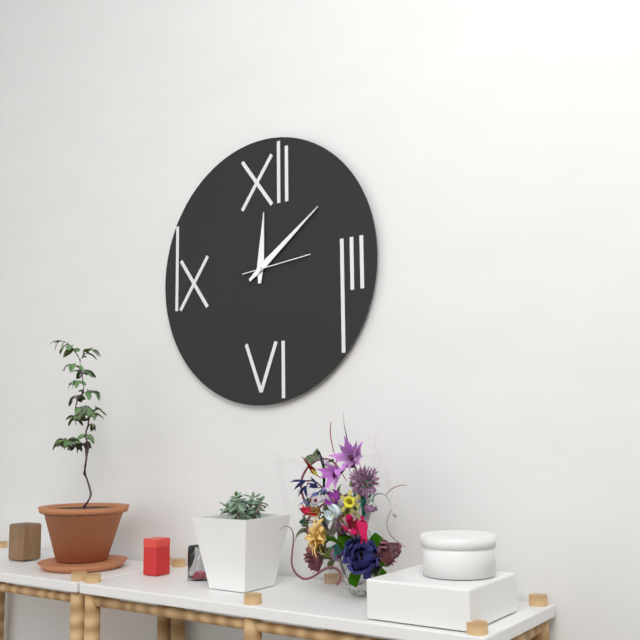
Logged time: **12:09:14**
